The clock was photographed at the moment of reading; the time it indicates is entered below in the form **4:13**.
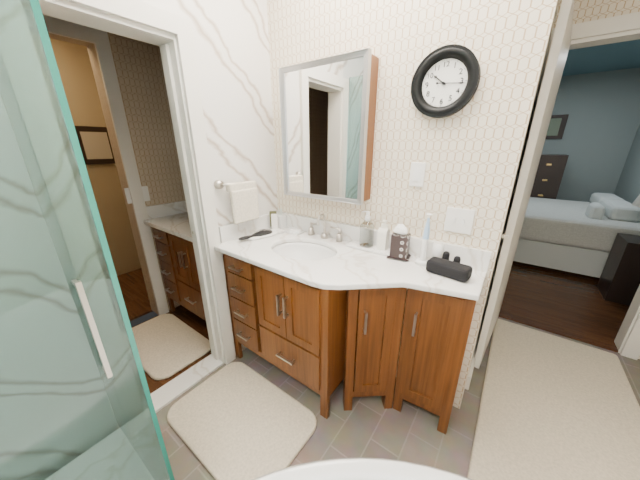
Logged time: **10:16**
